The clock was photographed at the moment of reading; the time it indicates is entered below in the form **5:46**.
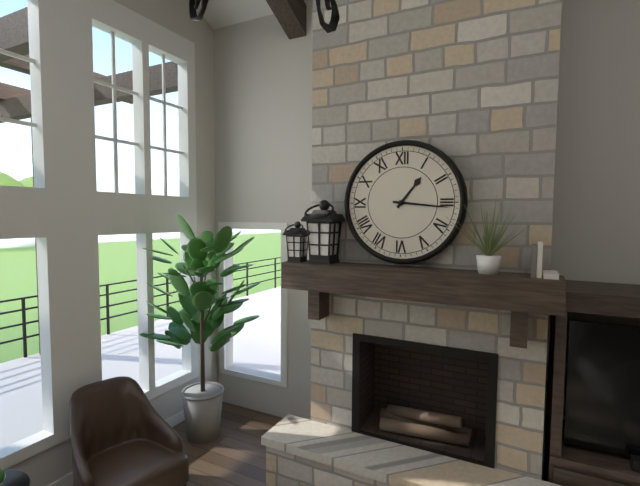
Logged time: **1:16**
